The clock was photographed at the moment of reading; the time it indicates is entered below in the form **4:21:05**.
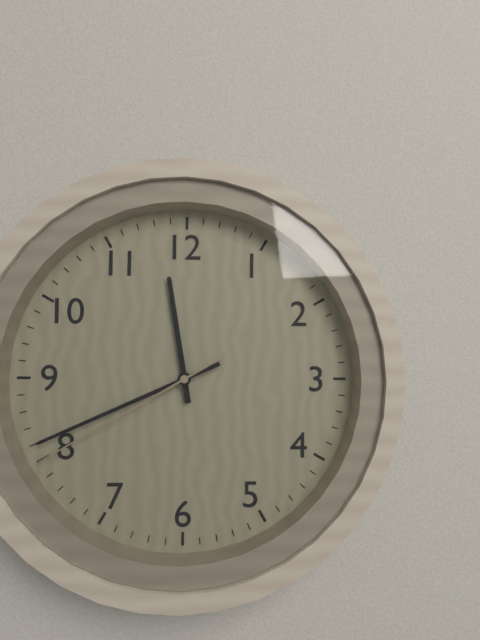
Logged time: **11:41:40**
